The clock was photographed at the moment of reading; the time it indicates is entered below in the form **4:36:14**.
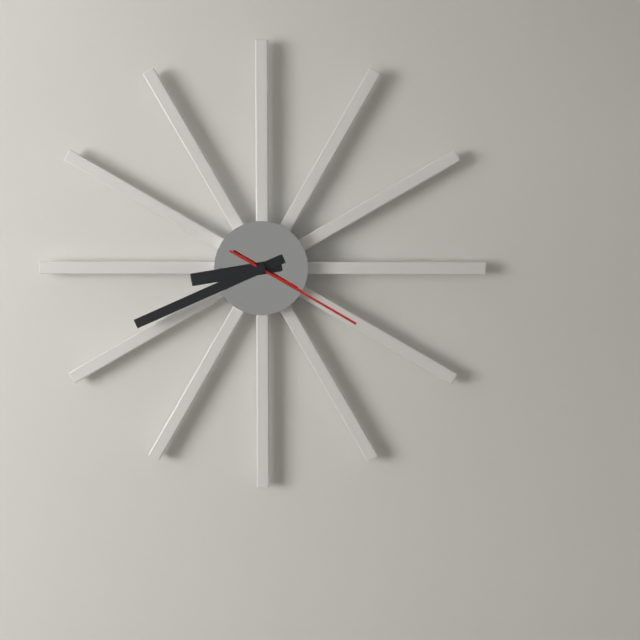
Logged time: **8:41:20**
